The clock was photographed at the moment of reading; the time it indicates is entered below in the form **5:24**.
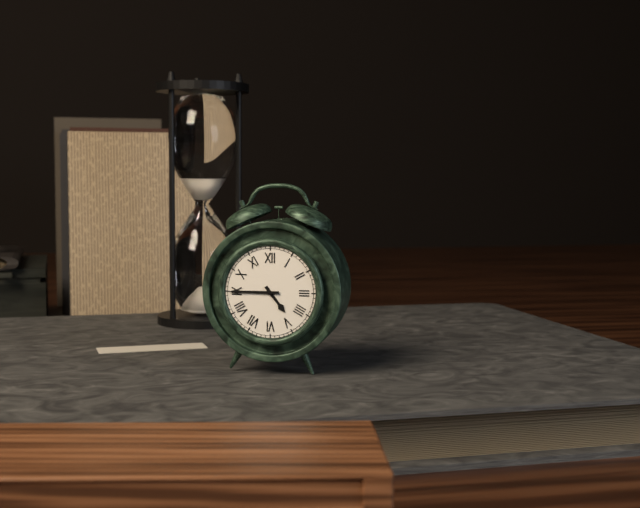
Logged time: **4:45**
